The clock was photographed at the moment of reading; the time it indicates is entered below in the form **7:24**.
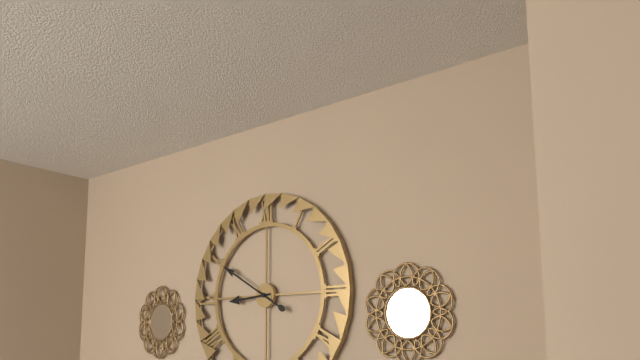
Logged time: **8:50**
